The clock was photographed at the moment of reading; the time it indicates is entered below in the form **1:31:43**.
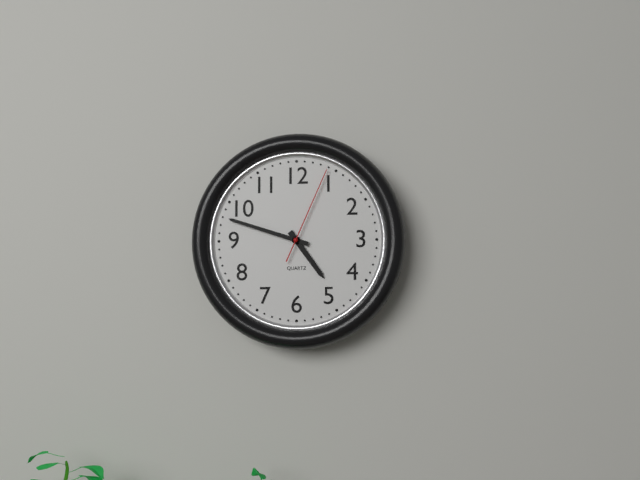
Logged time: **4:48:04**
